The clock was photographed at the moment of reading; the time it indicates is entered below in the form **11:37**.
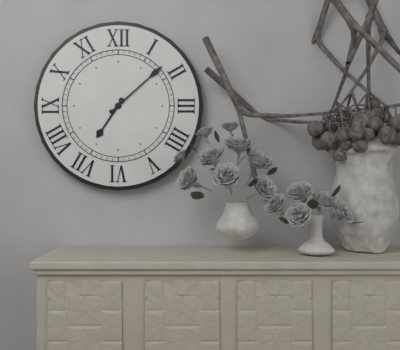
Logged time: **7:08**
